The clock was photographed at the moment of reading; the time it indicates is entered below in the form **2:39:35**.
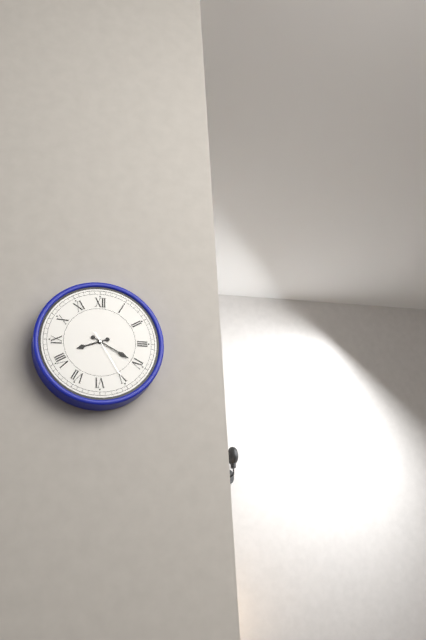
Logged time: **8:20:25**
